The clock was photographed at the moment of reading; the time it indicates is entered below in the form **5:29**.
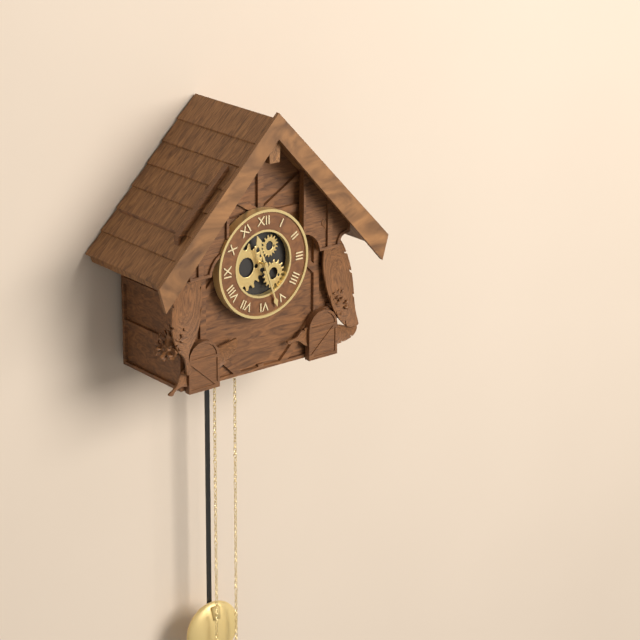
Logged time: **11:27**
